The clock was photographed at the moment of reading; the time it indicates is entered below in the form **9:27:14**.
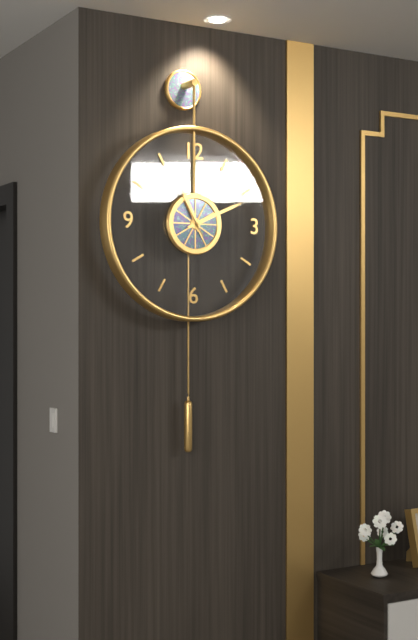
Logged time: **11:11:55**
